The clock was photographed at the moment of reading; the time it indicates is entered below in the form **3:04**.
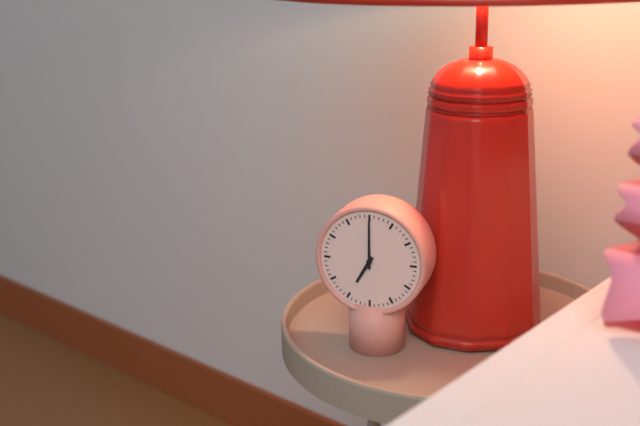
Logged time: **7:00**
